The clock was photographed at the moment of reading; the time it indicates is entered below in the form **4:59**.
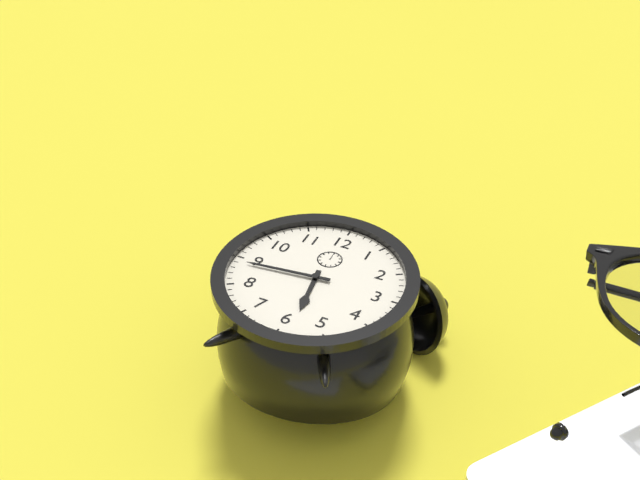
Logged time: **5:44**
